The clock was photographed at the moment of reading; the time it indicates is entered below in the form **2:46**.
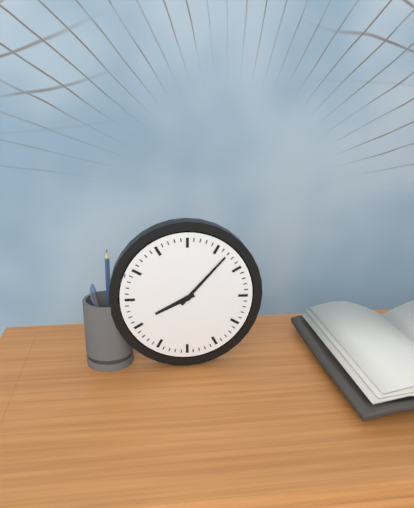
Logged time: **8:07**
